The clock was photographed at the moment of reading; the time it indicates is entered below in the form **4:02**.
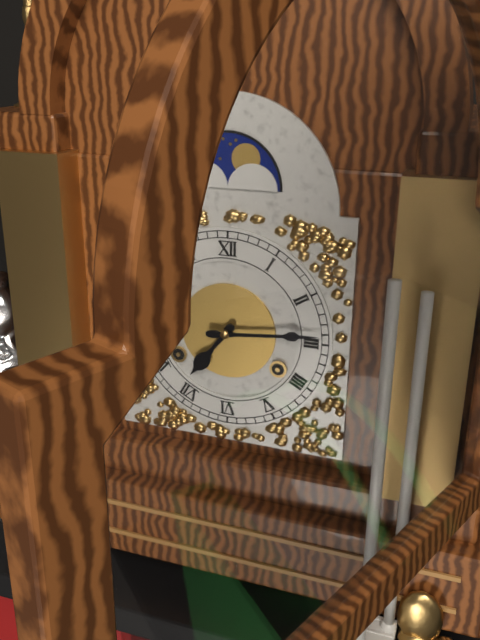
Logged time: **7:14**
